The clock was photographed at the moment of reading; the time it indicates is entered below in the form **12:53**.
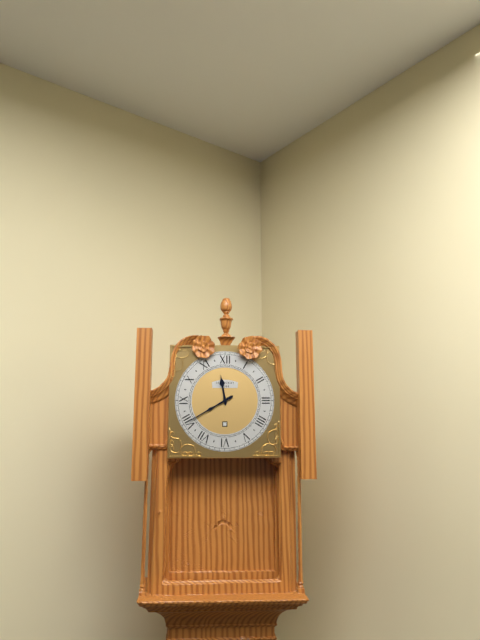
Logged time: **11:40**
